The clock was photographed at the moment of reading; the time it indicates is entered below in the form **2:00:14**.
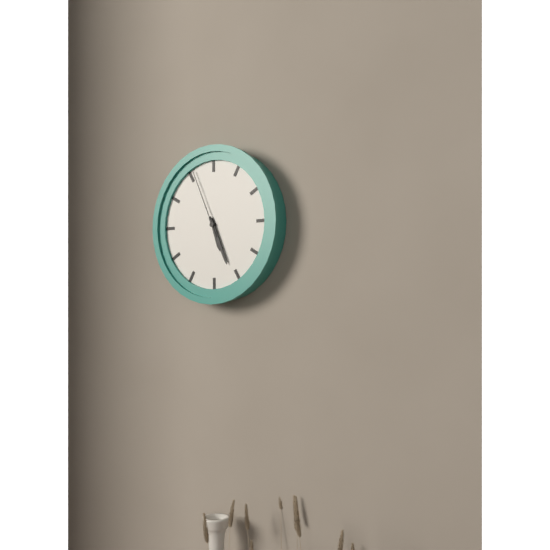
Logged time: **5:26:56**
